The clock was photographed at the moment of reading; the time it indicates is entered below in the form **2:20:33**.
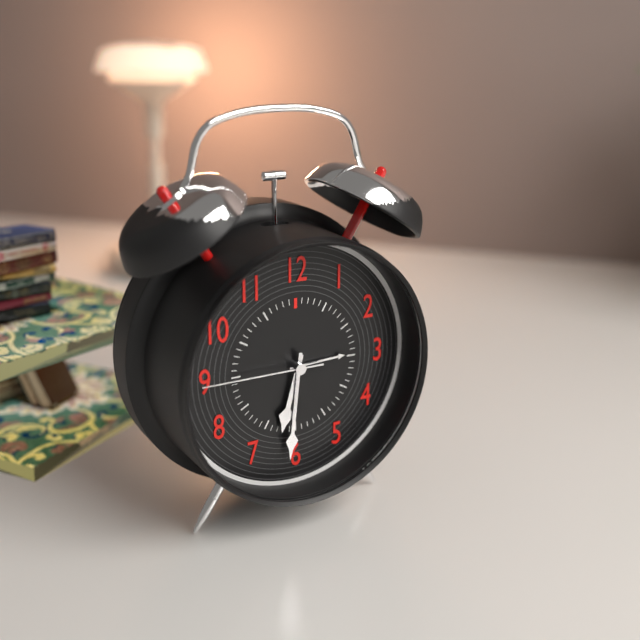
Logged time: **6:31:45**
